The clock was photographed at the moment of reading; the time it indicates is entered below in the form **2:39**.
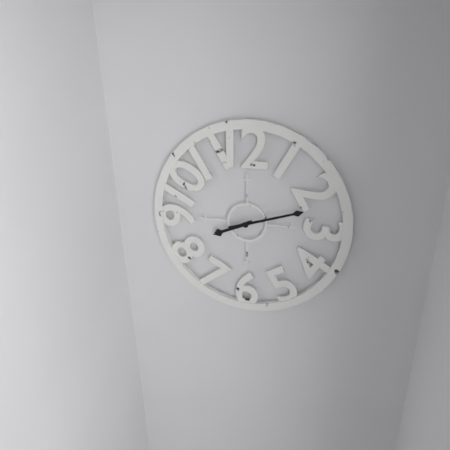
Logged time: **8:12**
